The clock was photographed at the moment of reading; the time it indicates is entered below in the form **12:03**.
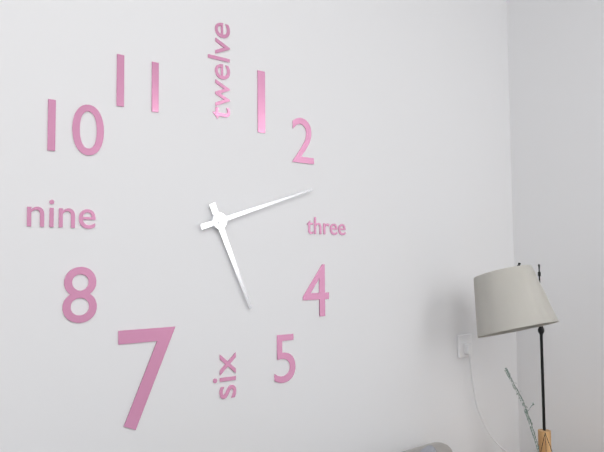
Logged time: **5:12**
